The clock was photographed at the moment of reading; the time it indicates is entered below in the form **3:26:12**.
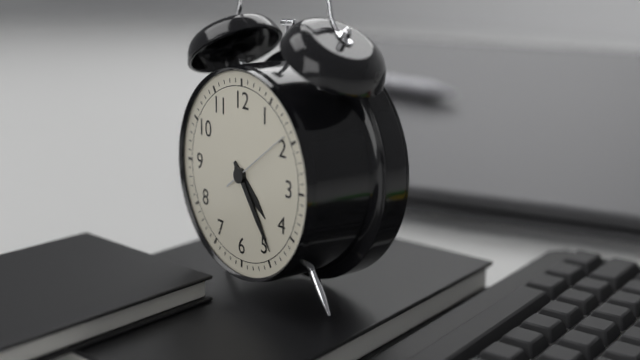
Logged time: **4:24:09**
